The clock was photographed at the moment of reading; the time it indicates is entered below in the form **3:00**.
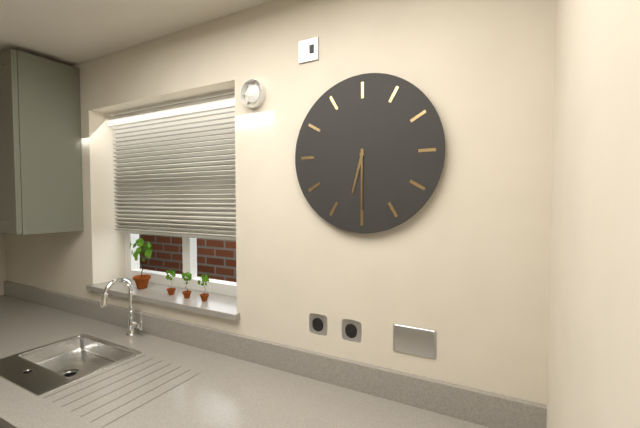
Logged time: **6:30**
